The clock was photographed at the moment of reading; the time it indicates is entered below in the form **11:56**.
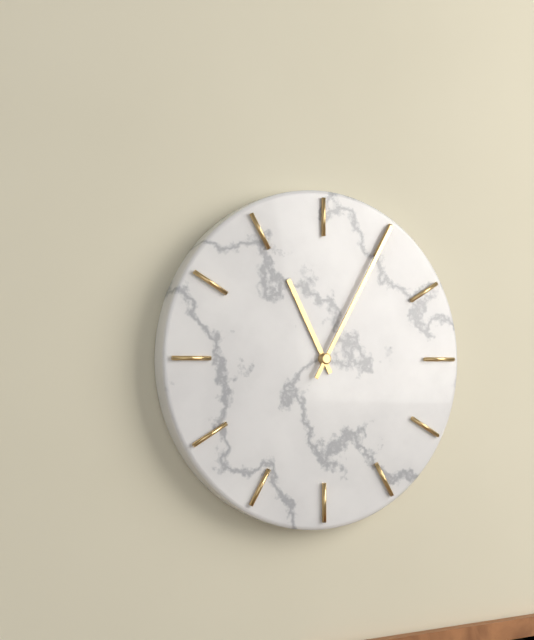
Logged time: **11:05**
